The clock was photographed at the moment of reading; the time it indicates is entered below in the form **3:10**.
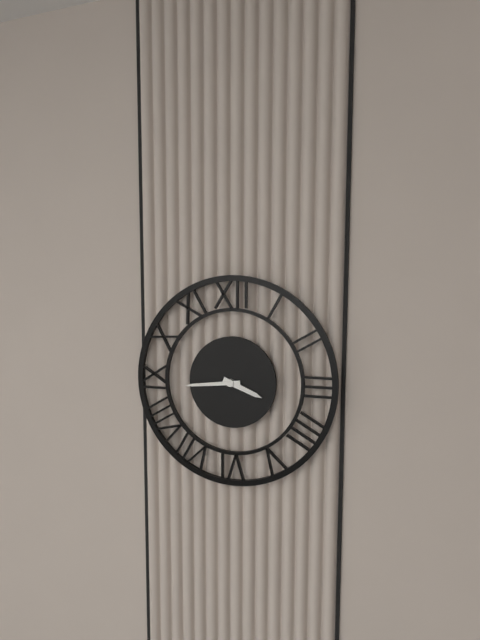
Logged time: **3:44**
